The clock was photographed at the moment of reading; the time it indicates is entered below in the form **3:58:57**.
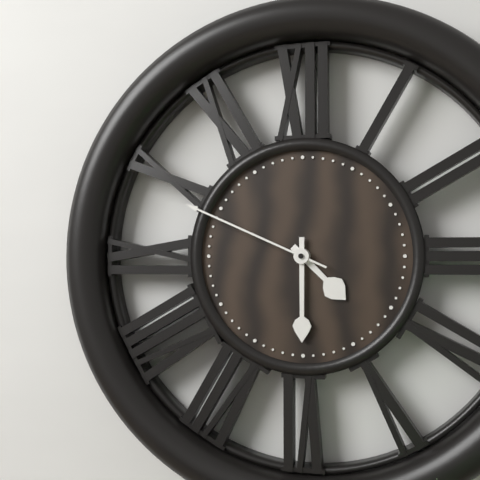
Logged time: **4:30:49**
